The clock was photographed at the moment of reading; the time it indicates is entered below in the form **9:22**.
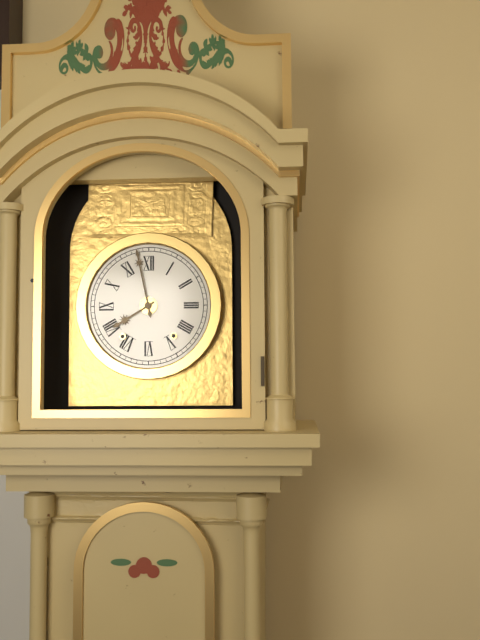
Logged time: **7:58**
